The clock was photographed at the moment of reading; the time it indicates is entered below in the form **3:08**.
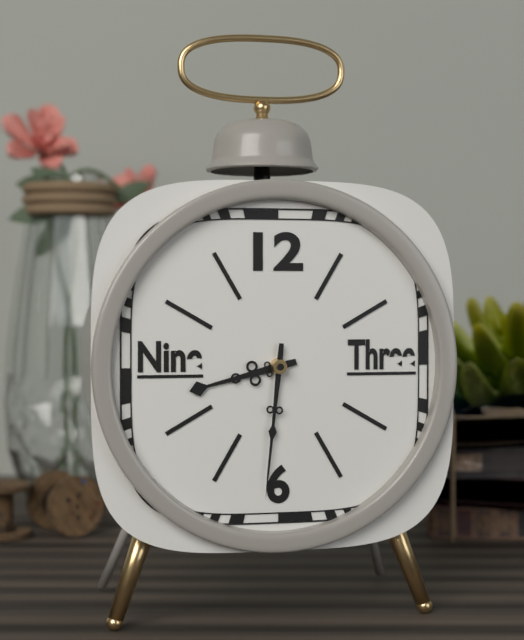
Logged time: **8:31**
